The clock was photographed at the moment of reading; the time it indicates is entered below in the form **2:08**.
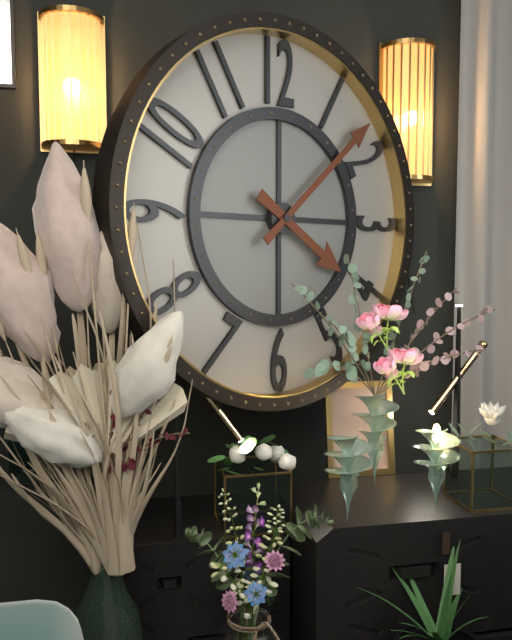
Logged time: **4:08**
